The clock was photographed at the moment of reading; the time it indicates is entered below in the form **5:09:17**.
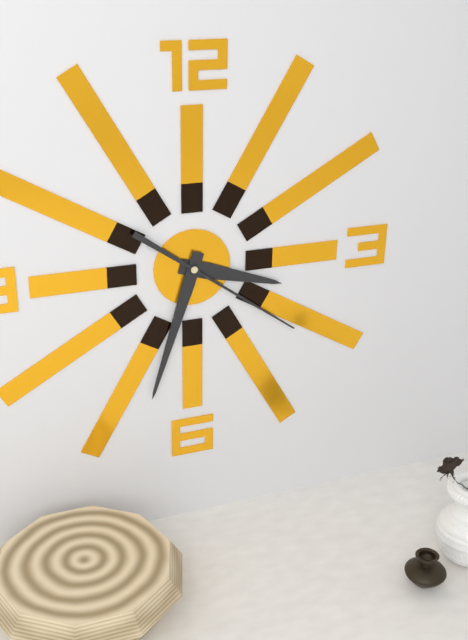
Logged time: **3:33:21**
